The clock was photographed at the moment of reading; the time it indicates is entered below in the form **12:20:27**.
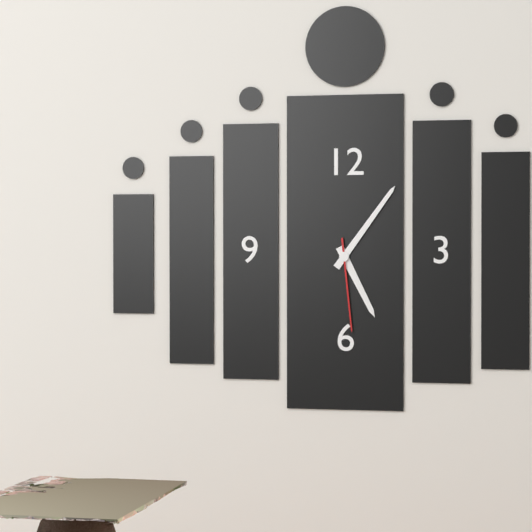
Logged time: **5:06:29**
